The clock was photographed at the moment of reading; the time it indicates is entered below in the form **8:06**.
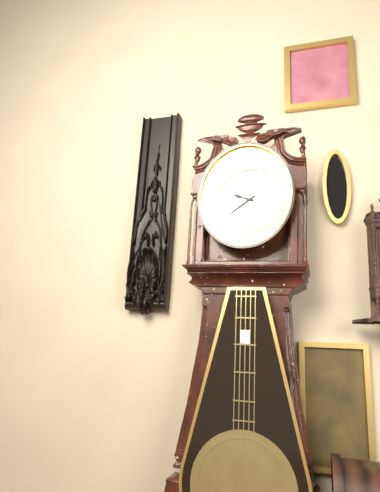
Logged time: **9:39**
